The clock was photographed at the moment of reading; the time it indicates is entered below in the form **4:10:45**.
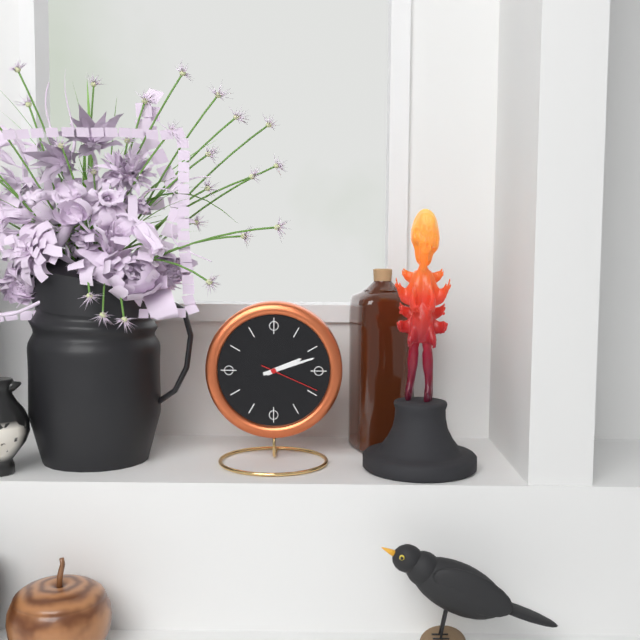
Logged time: **2:12:19**
